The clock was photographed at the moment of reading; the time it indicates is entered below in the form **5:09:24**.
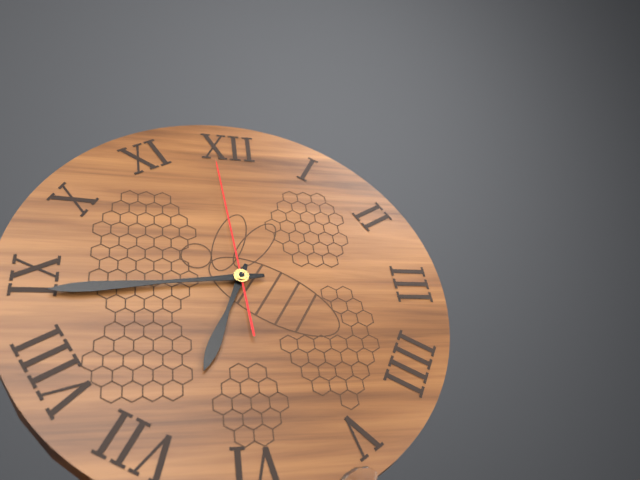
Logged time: **6:44:59**
